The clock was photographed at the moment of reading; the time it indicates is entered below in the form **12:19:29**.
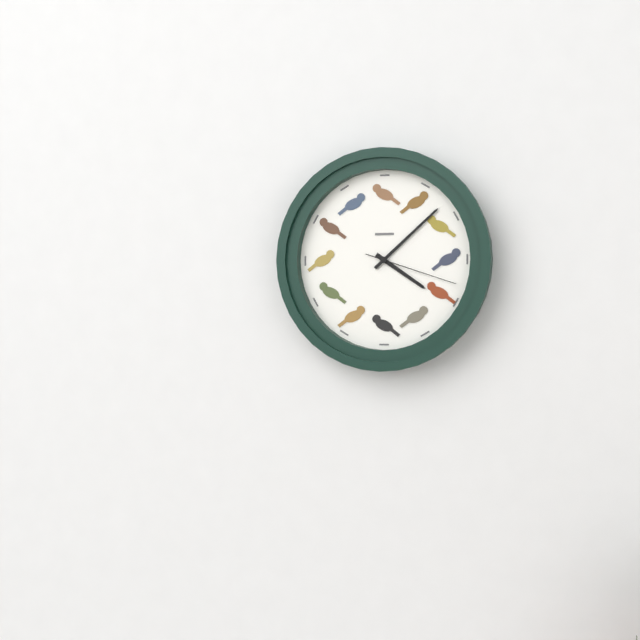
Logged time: **4:08:18**
